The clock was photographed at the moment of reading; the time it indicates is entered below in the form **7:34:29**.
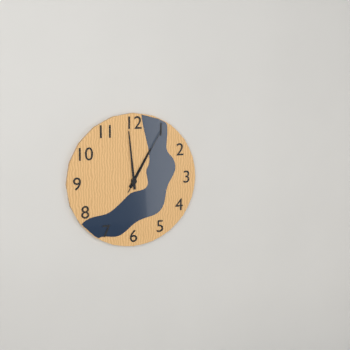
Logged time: **12:59:05**
